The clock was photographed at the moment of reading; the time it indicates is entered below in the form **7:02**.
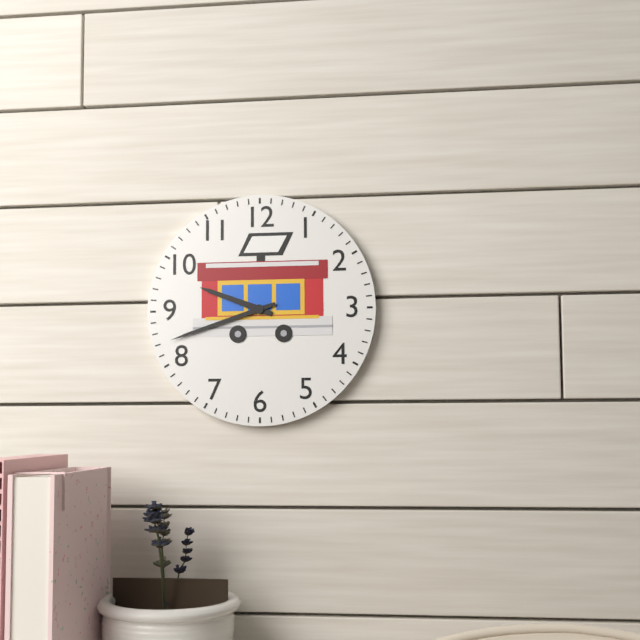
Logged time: **9:42**
